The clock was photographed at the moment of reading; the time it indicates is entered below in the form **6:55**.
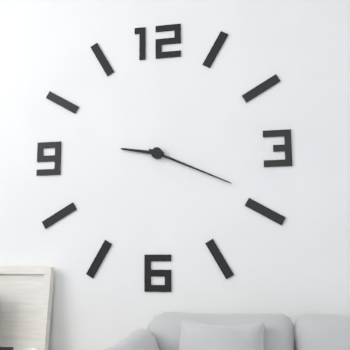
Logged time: **9:19**
